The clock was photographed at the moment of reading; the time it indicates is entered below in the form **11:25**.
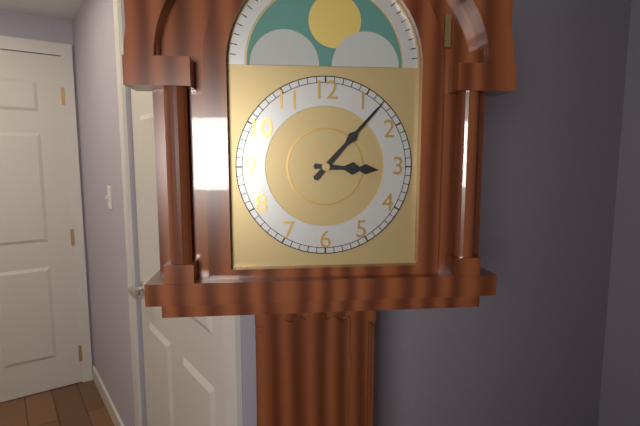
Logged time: **3:07**
